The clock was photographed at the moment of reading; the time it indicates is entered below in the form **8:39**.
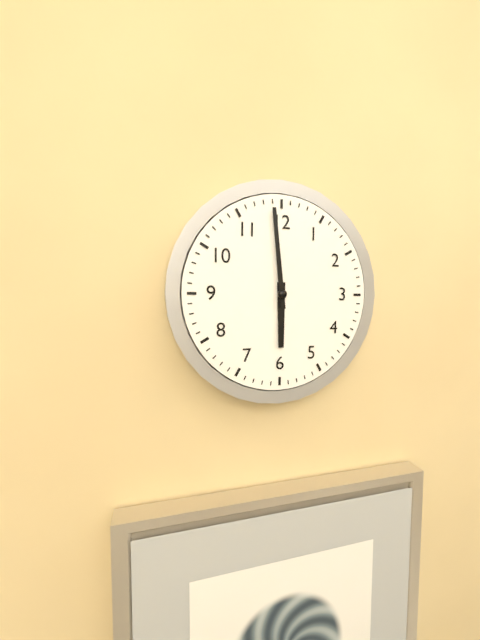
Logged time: **5:59**
